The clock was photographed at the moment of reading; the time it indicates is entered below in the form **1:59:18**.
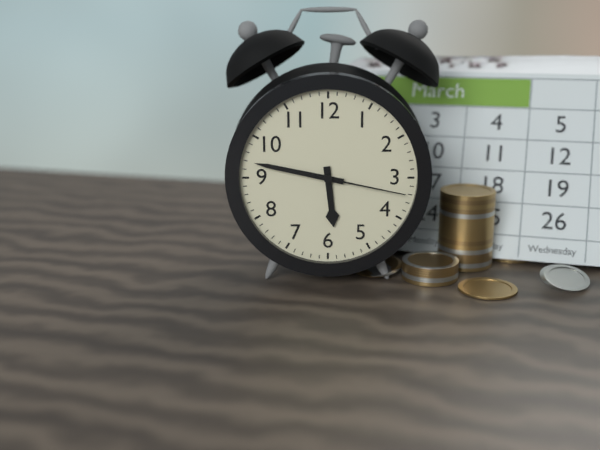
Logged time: **5:47:17**
